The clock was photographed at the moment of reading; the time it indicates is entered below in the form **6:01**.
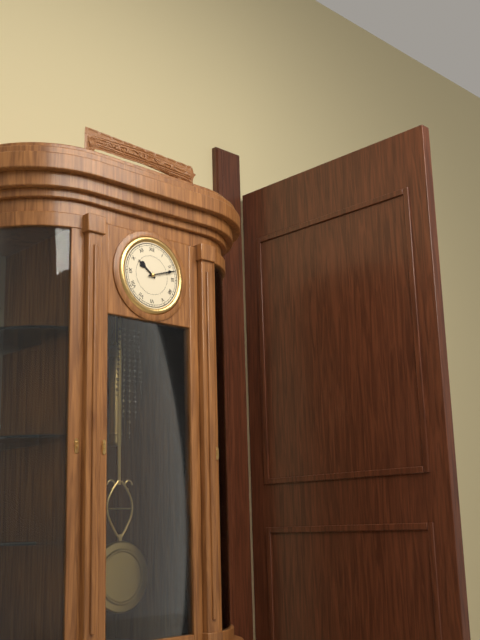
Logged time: **10:12**
